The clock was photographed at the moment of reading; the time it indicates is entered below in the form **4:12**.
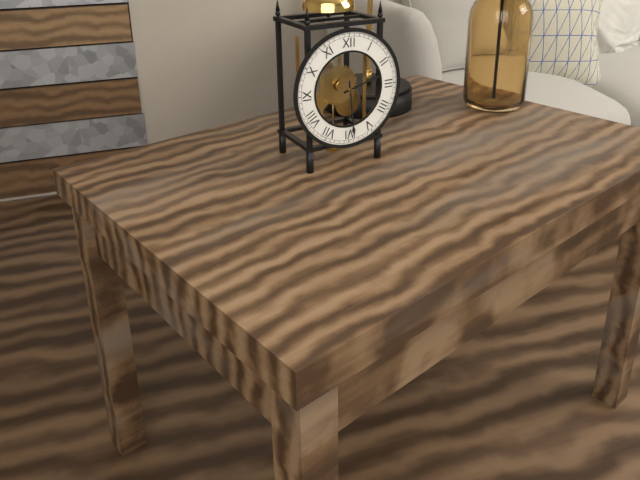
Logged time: **2:29**
